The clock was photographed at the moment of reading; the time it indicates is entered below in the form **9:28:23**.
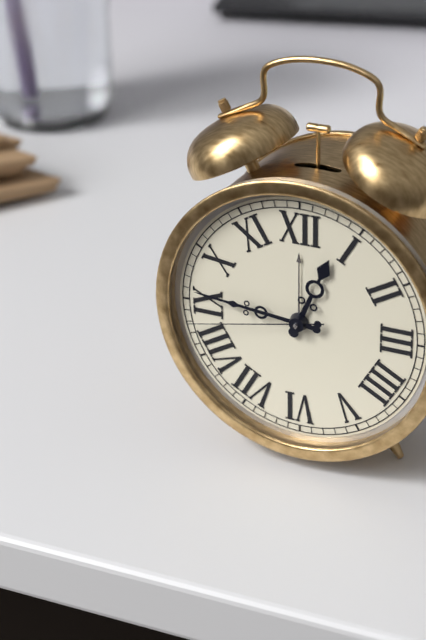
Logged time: **12:46:43**
